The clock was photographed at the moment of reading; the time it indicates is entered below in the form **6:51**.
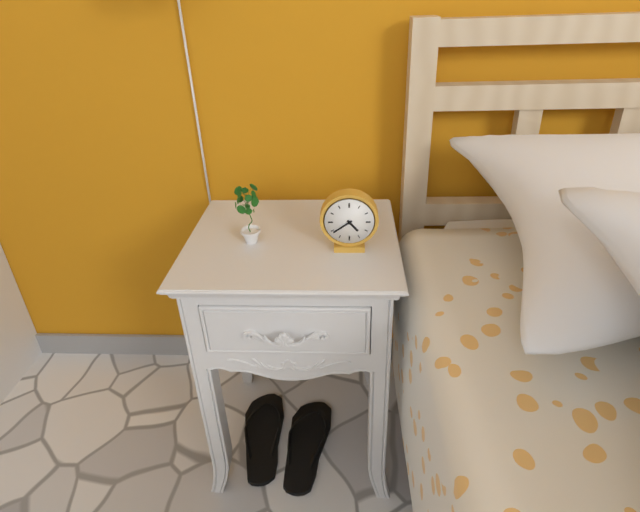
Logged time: **4:39**
